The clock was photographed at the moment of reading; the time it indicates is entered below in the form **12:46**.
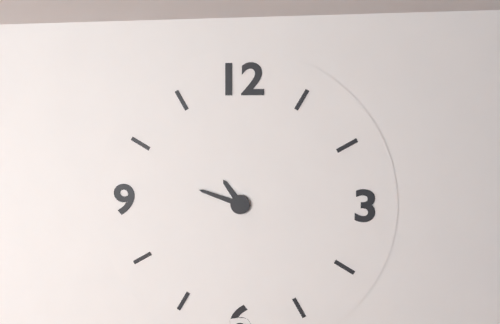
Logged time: **10:48**
